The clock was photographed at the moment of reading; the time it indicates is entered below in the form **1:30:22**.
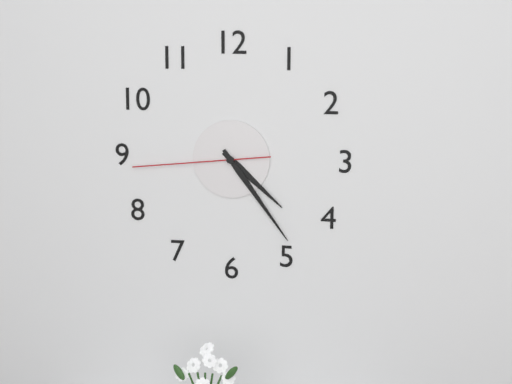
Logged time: **4:24:44**
